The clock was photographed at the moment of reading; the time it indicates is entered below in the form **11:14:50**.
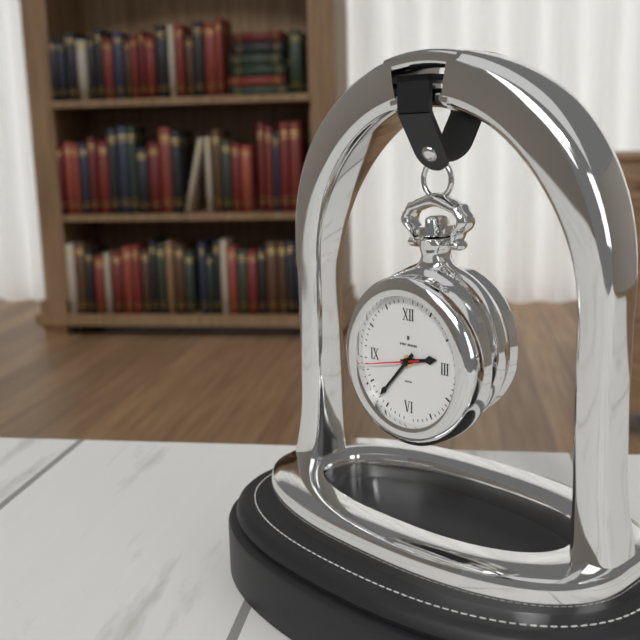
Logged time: **2:37:43**
